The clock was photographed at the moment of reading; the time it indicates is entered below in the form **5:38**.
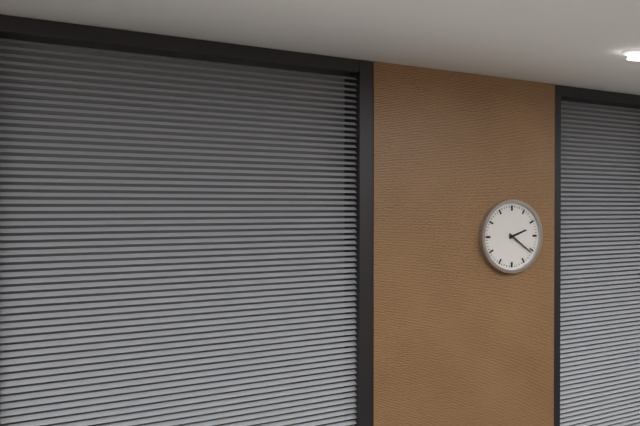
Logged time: **2:21**
